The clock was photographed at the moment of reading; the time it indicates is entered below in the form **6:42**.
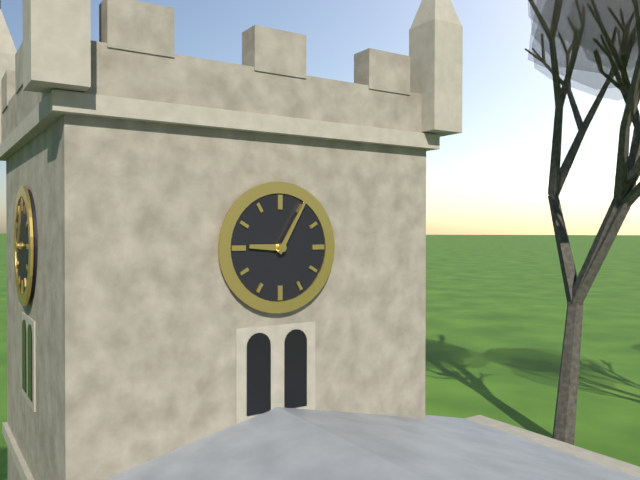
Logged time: **9:05**
